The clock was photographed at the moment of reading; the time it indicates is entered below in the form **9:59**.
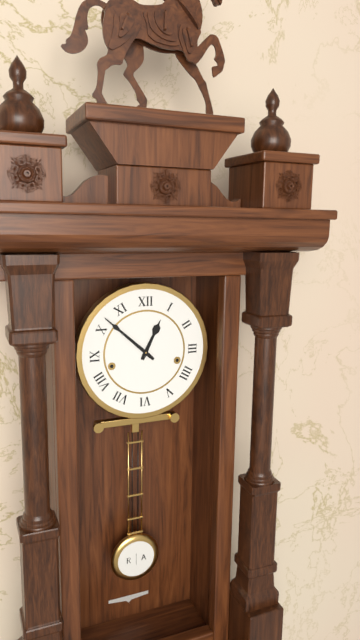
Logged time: **12:52**
